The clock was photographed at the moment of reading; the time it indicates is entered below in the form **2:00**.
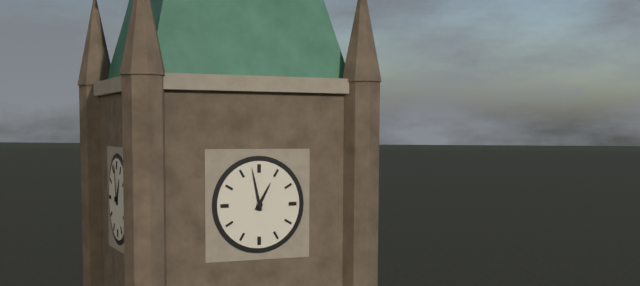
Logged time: **12:58**
